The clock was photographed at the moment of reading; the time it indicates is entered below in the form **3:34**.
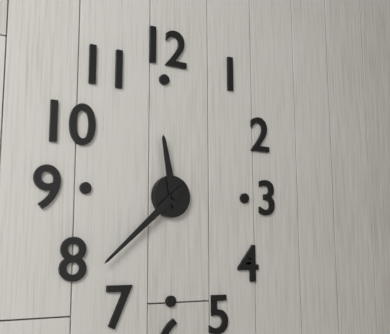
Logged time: **11:38**
